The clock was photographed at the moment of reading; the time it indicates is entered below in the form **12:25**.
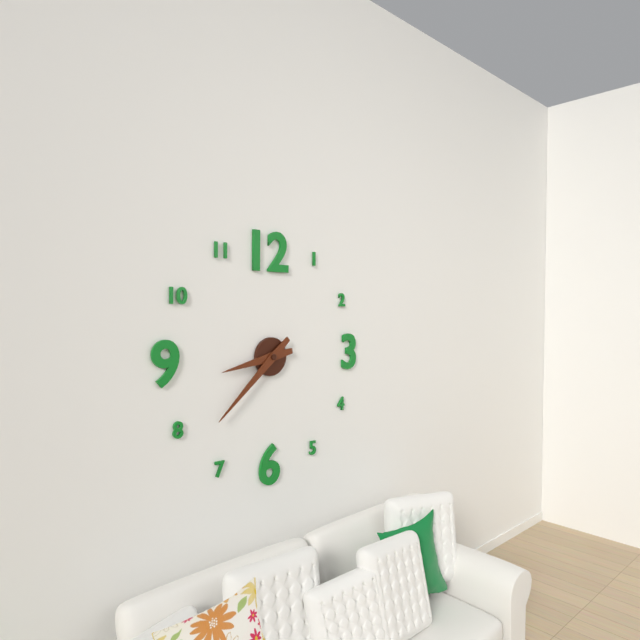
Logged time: **8:38**
